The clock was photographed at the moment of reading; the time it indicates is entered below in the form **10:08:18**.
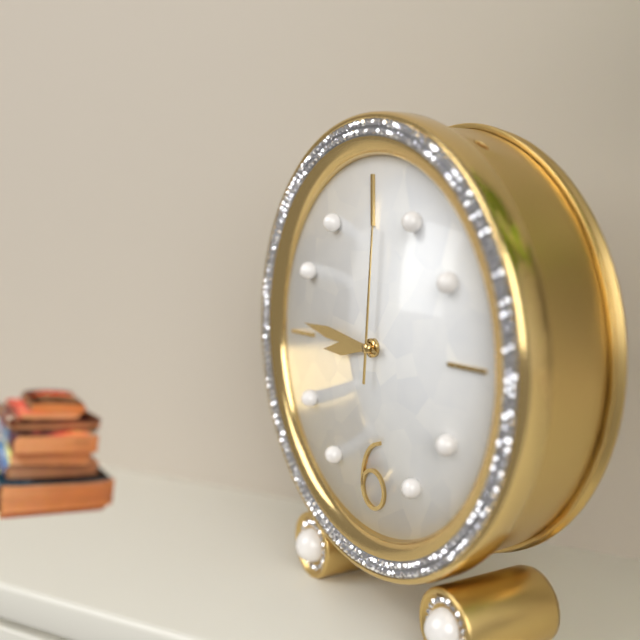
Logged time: **8:46:01**
